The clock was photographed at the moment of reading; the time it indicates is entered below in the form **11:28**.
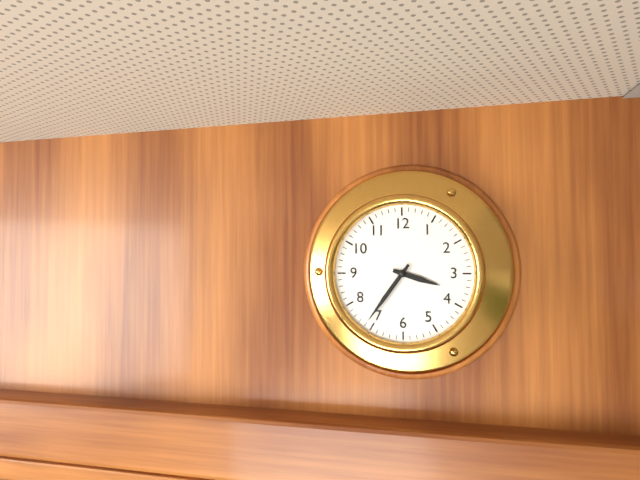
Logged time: **3:36**
